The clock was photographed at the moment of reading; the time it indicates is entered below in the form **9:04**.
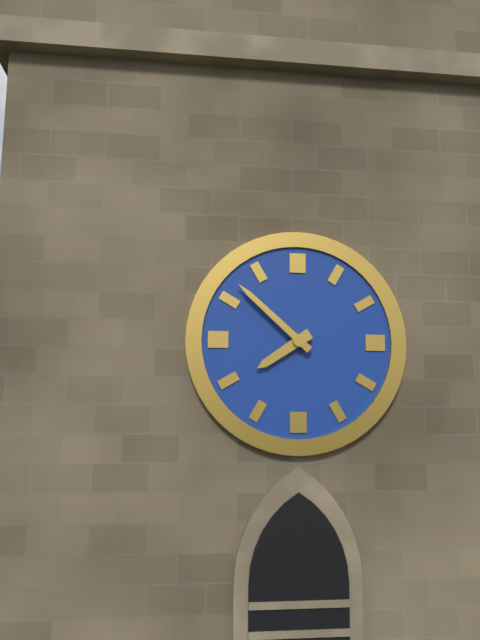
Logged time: **7:52**
